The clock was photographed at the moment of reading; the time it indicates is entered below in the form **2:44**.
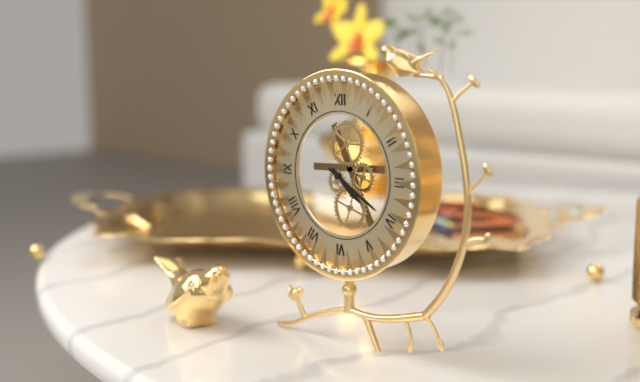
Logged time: **4:20**
